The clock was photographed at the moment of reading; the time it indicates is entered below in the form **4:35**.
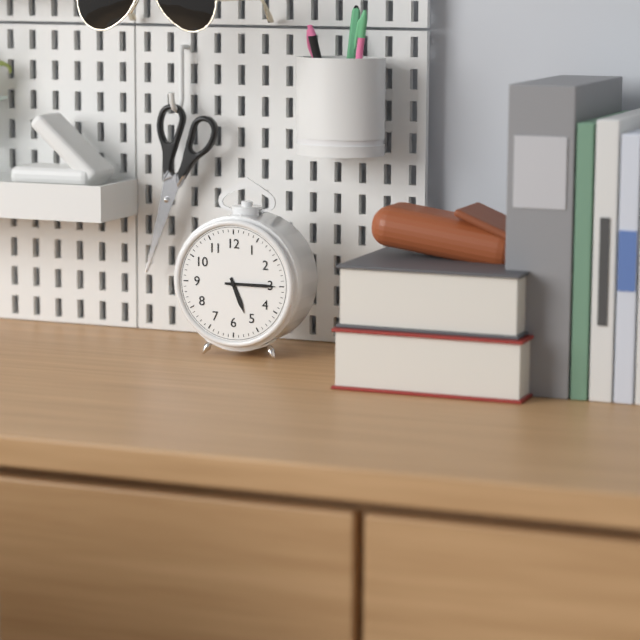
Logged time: **5:15**
